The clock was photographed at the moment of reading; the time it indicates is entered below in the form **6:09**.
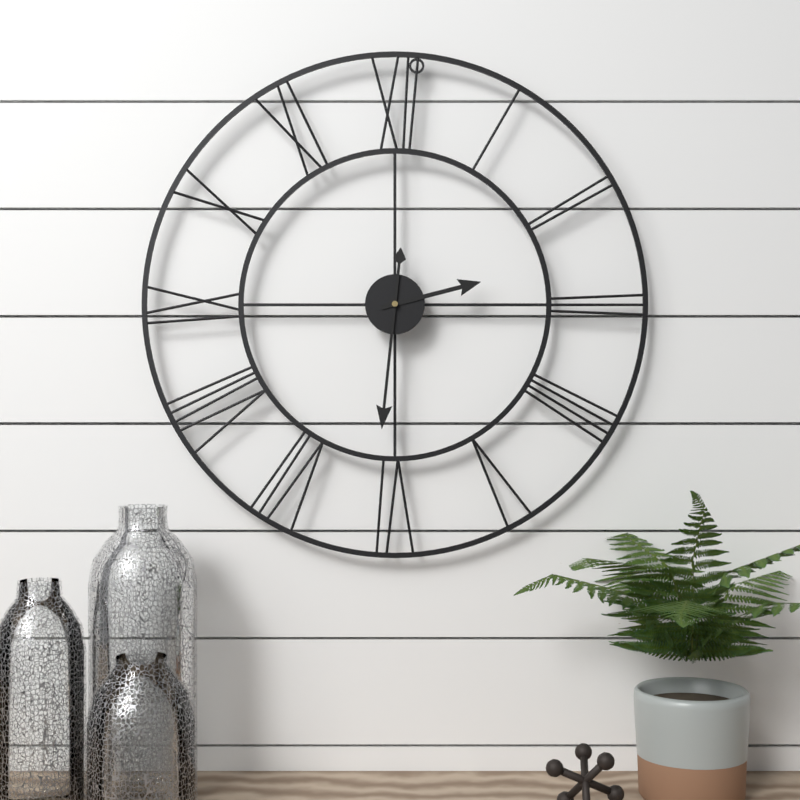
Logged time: **2:31**
